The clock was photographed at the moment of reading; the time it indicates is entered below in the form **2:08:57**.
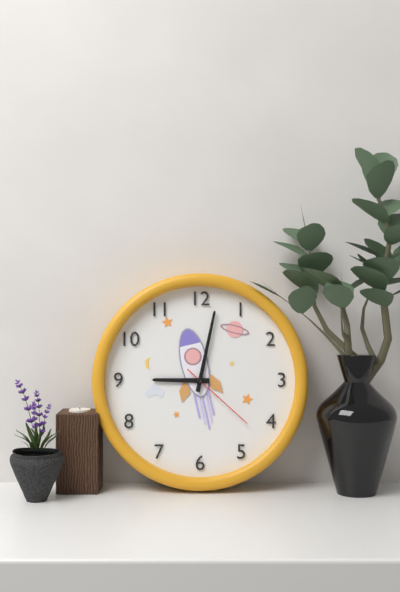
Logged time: **9:02:22**
